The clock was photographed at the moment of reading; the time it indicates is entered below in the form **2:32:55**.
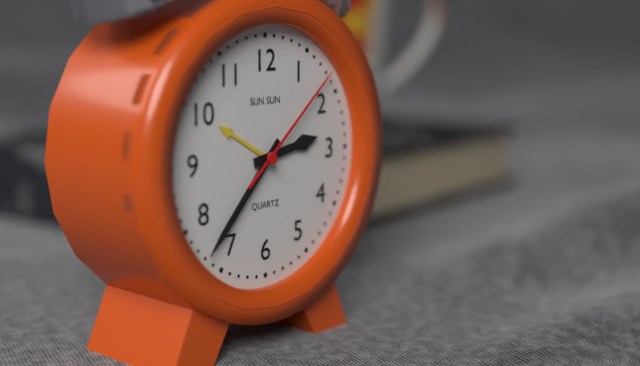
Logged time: **2:37:08**
